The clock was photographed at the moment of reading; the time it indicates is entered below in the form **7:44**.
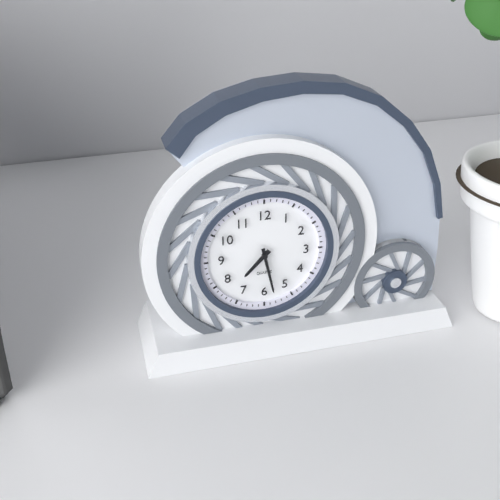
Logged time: **7:28**
